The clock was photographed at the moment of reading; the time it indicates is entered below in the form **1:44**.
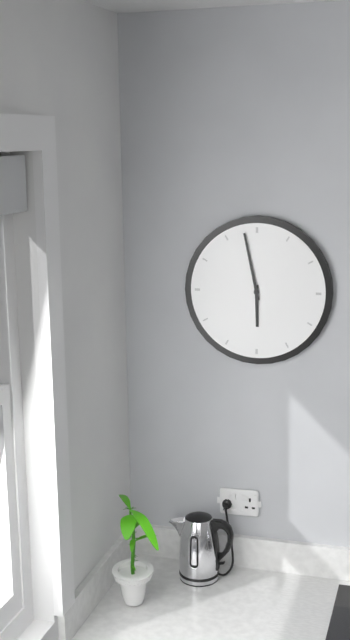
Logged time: **5:58**
